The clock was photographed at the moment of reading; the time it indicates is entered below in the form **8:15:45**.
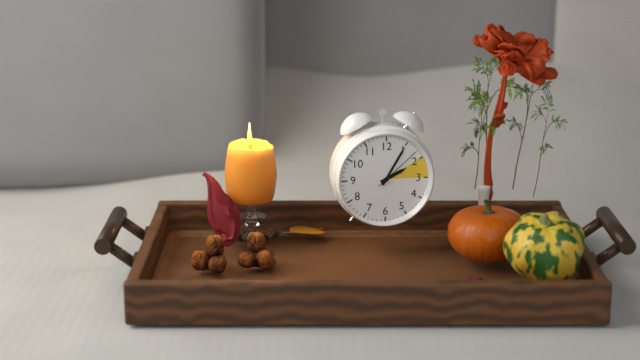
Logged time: **2:05:08**
